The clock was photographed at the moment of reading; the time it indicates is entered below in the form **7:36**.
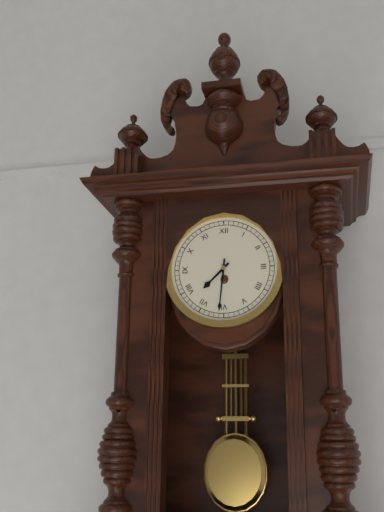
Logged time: **7:31**
